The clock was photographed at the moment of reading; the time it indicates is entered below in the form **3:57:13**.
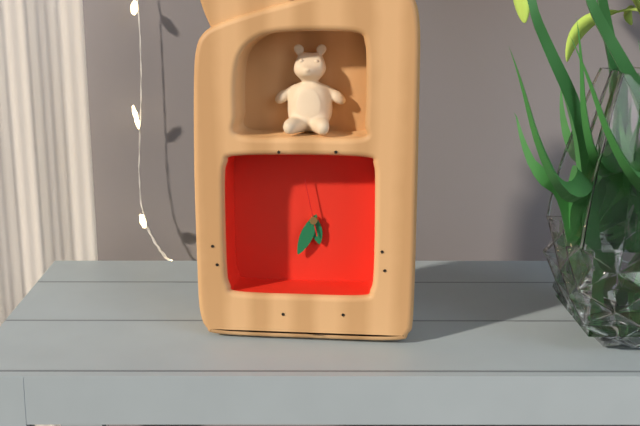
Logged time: **5:34:58**
